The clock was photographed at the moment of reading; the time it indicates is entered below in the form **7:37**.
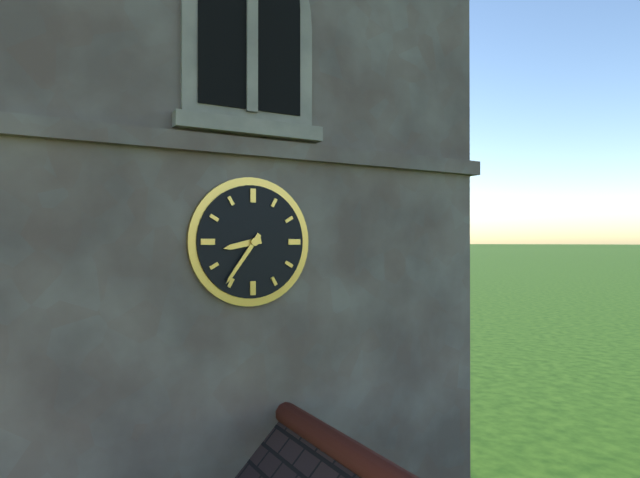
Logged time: **8:36**
